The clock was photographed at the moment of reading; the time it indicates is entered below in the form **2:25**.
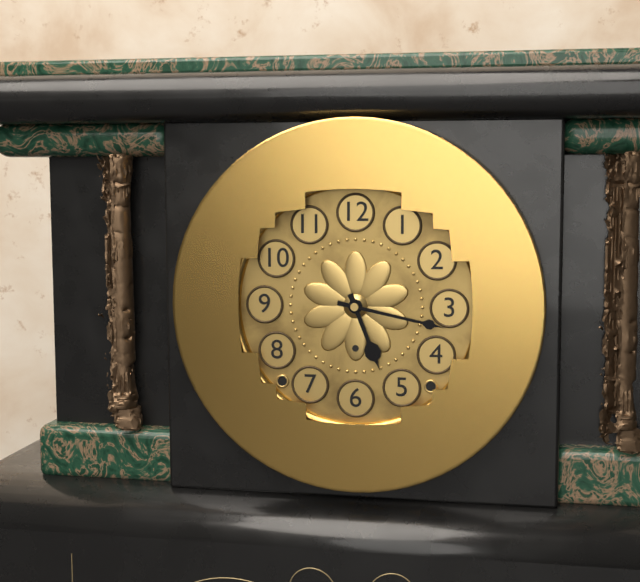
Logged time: **5:17**
